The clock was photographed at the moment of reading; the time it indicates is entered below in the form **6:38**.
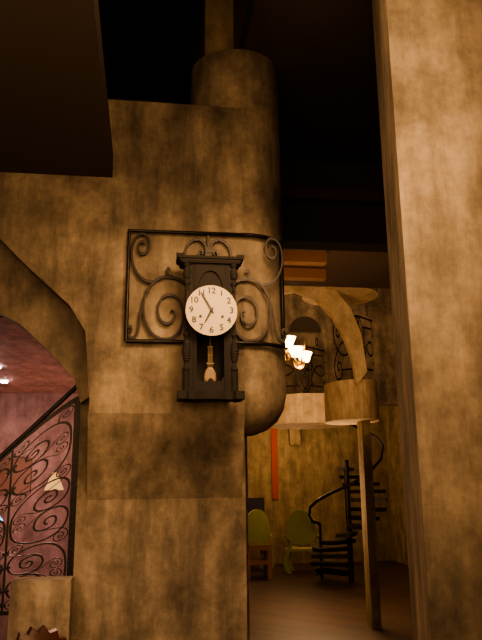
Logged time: **6:55**
